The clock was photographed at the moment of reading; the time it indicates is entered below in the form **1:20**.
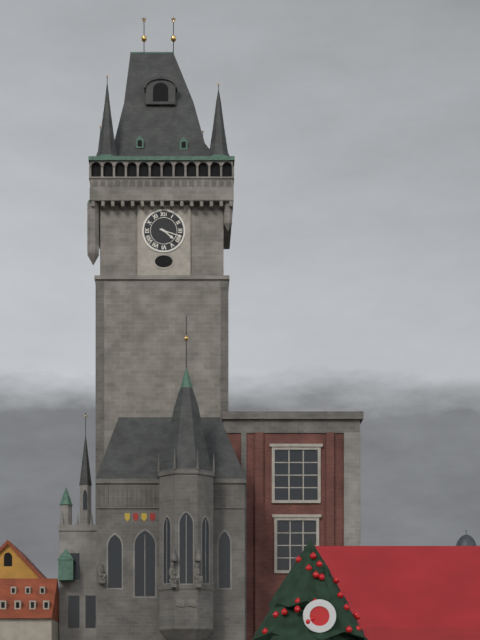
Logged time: **4:18**
